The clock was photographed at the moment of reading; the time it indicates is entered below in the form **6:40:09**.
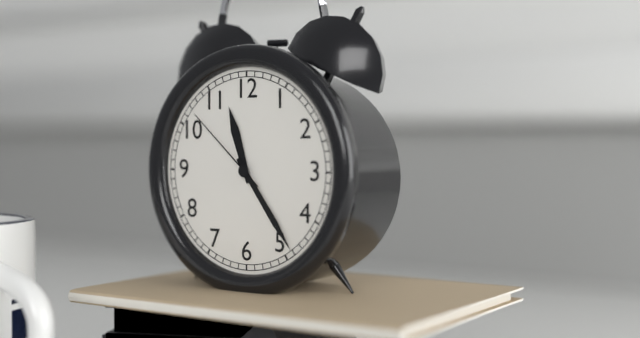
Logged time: **11:24:52**
